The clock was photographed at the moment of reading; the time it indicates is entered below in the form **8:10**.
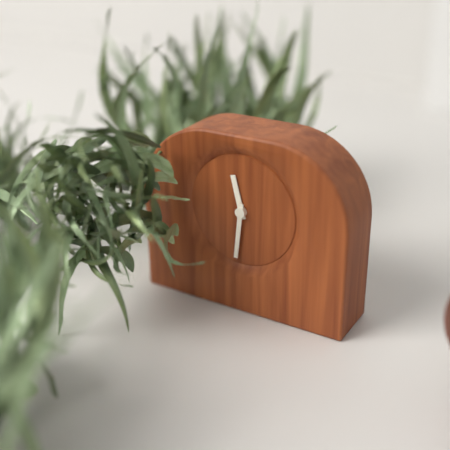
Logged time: **11:31**
